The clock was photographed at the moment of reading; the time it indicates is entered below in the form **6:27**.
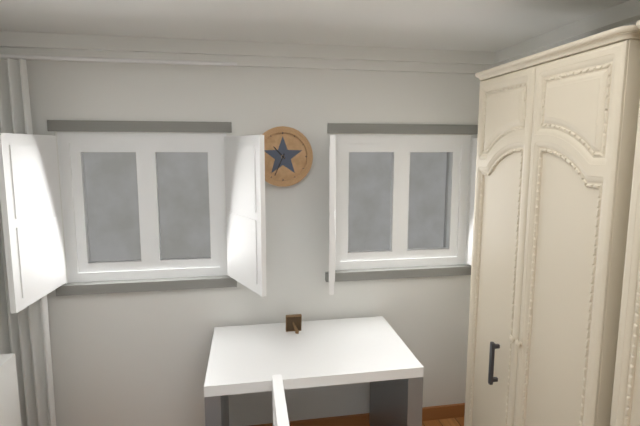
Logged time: **10:34**
